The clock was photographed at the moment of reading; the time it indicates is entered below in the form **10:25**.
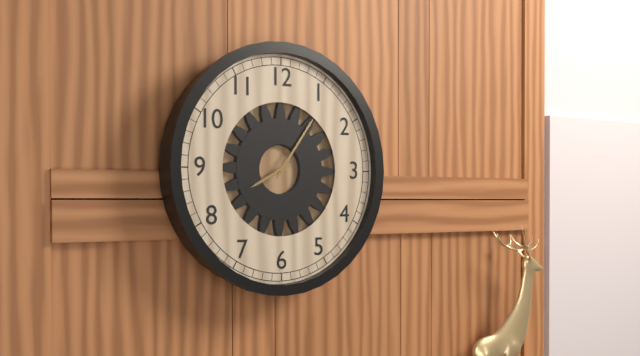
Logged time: **8:06**
